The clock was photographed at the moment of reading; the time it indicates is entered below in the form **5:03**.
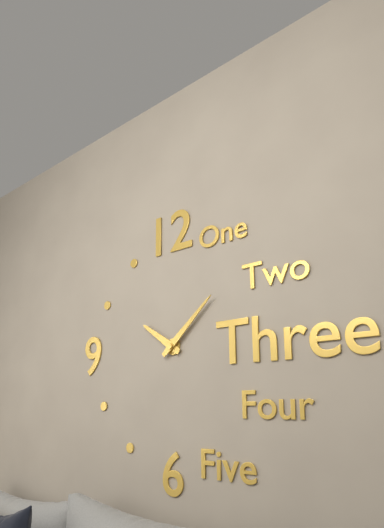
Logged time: **10:08**
